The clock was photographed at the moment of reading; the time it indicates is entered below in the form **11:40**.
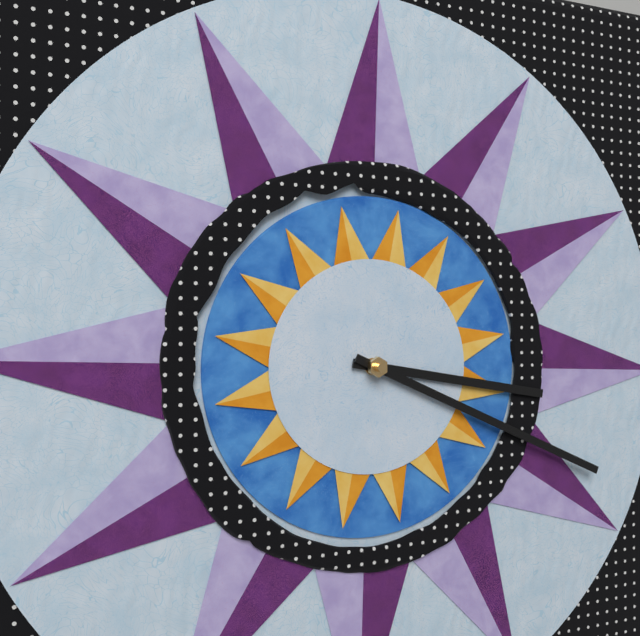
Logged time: **3:19**
